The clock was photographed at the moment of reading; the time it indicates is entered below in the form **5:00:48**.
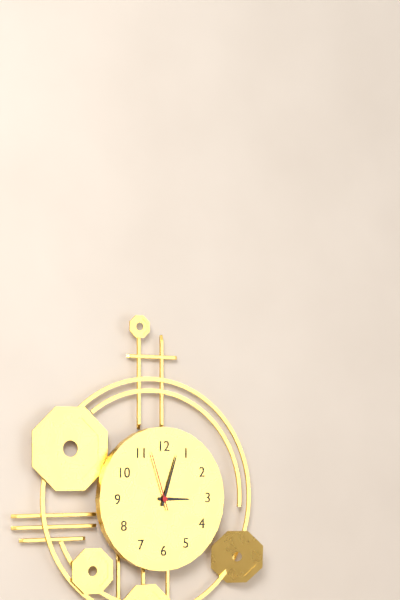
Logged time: **3:03:57**
